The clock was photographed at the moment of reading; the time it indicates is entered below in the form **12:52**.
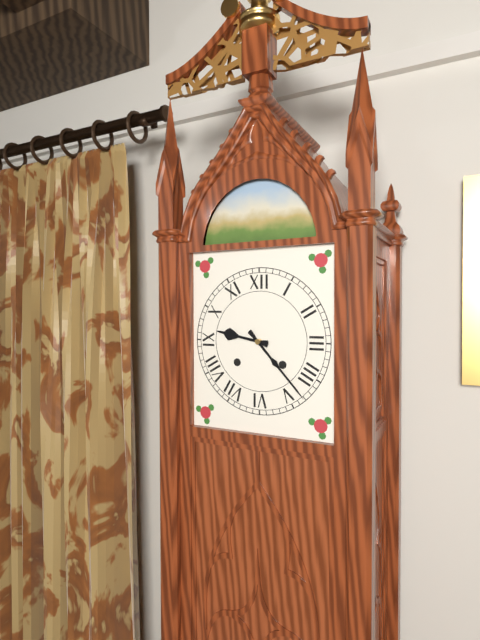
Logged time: **9:23**
